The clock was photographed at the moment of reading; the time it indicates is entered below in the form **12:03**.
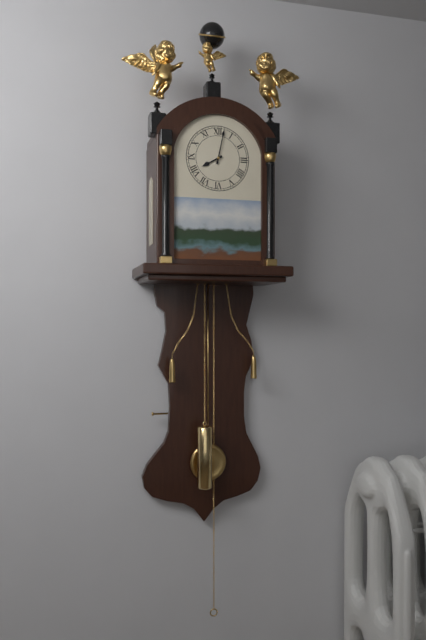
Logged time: **8:02**
